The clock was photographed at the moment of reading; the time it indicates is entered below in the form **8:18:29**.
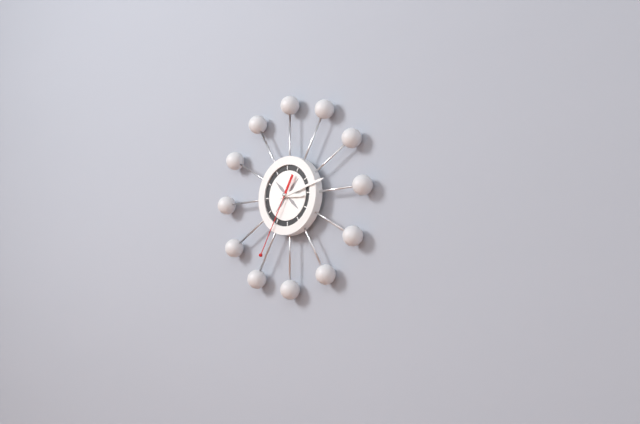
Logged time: **3:13:35**
